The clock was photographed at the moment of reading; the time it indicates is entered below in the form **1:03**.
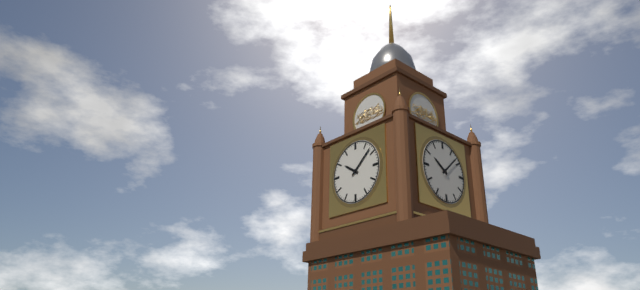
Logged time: **10:08**
